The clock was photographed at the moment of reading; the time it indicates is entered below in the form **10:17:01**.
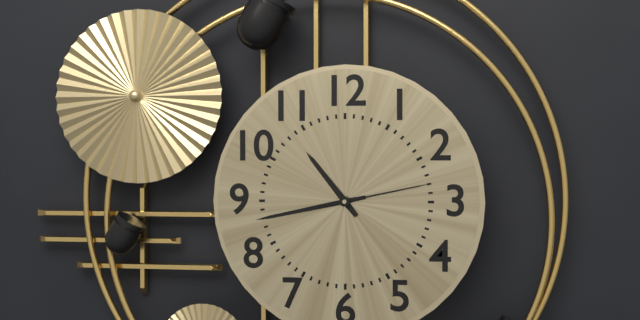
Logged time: **10:43:13**
